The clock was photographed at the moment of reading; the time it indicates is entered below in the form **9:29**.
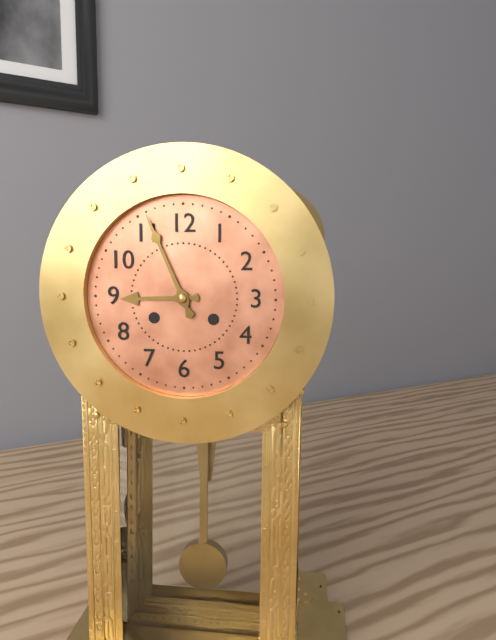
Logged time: **8:56**
